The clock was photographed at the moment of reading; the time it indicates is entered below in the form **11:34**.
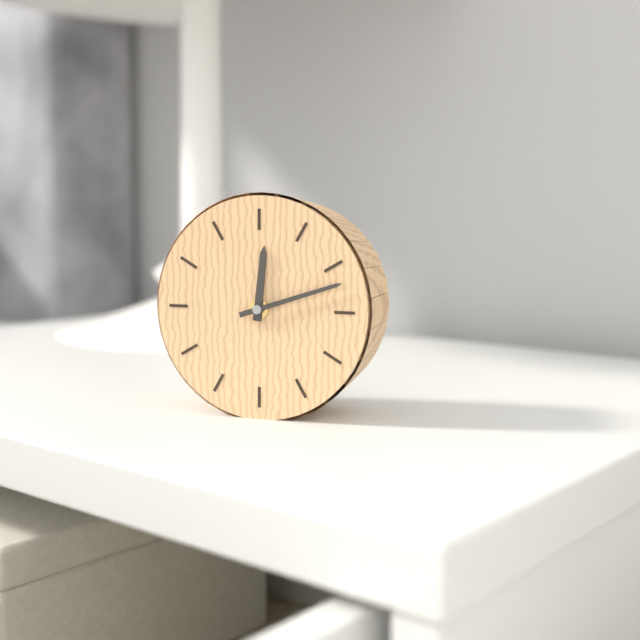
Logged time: **12:12**
